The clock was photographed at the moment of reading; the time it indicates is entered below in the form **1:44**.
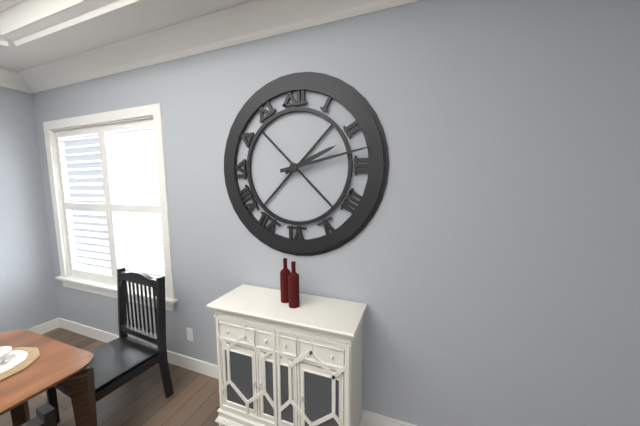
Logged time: **2:13**
